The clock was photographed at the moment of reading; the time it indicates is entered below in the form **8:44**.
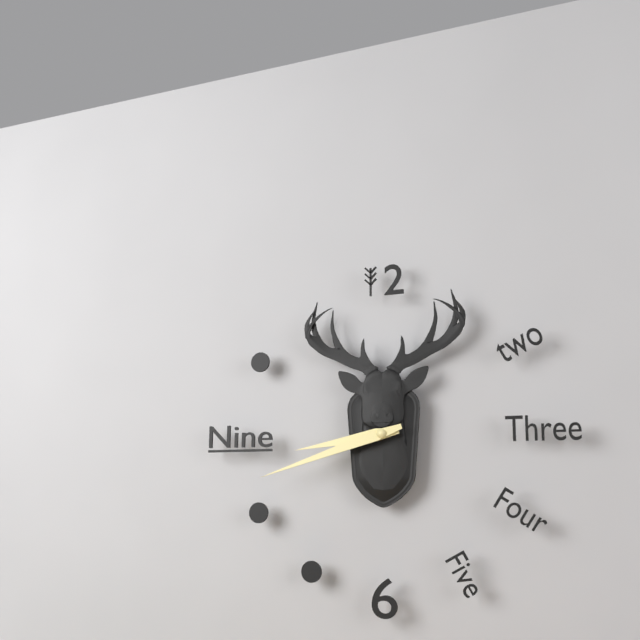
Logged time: **8:42**
